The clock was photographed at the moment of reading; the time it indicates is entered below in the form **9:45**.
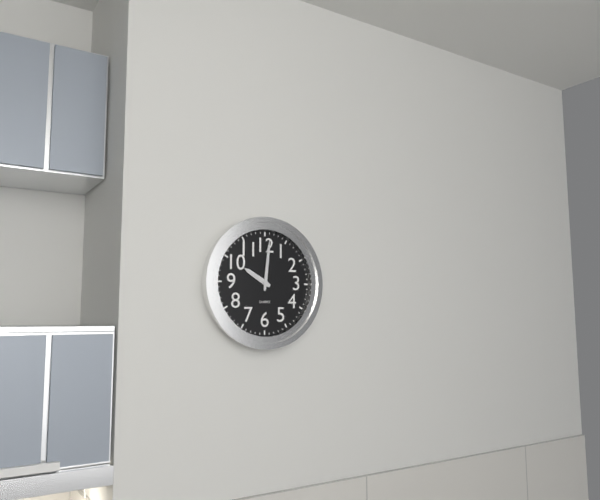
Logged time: **10:01**
